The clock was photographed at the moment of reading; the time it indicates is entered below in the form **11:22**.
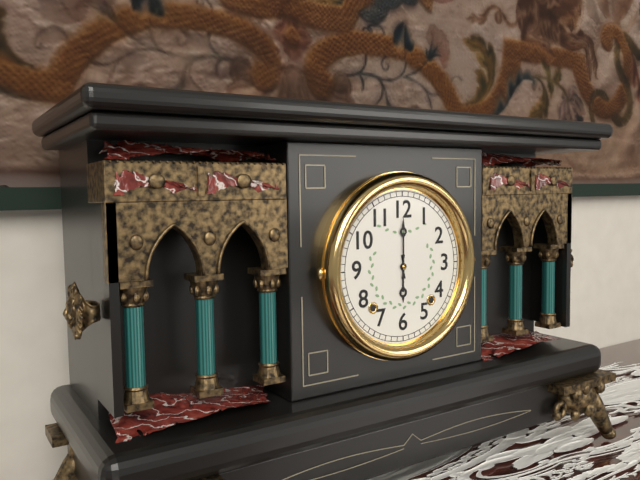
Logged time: **6:00**
